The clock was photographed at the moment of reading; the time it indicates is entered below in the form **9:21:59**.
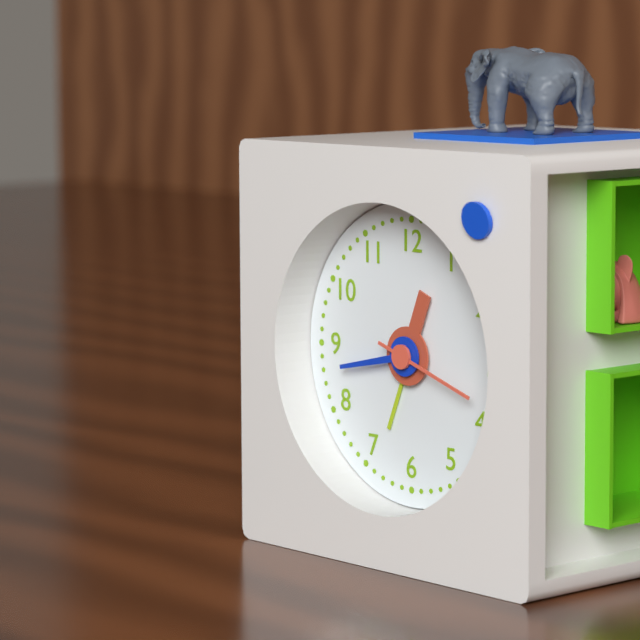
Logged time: **12:43:18**
